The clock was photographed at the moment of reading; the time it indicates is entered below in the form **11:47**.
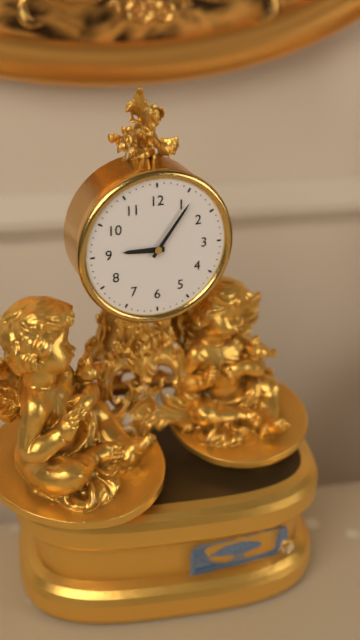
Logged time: **9:06**
